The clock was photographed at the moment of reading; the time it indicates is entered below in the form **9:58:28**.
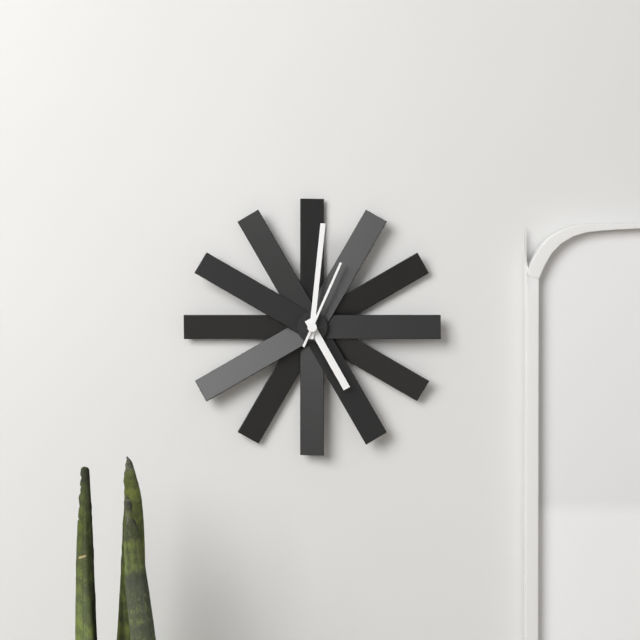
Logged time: **5:01:04**
